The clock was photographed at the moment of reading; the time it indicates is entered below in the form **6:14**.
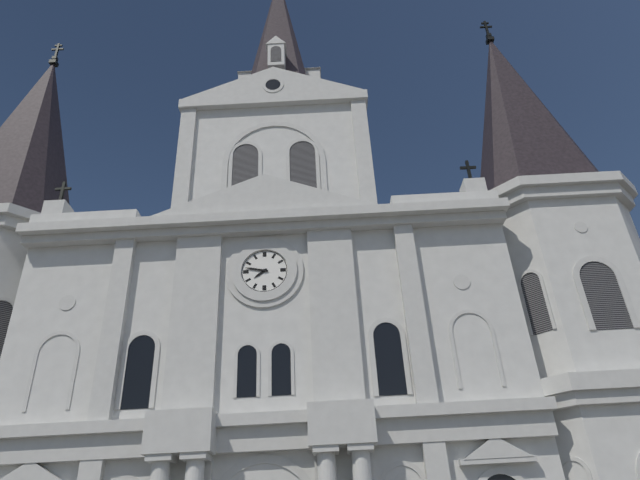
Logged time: **7:47**
